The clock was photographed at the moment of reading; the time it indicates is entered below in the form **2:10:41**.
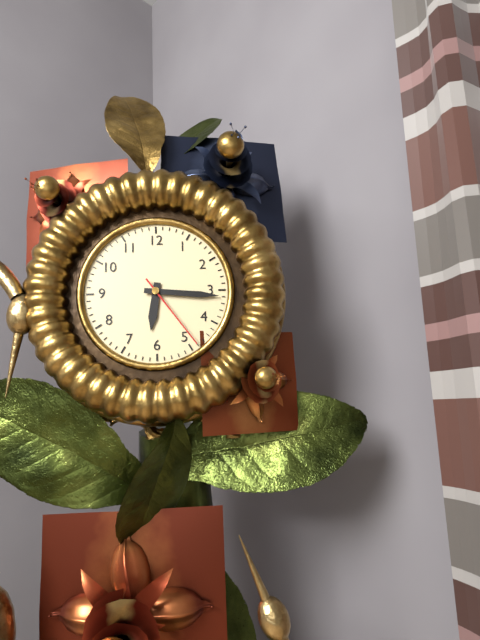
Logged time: **6:16:24**
